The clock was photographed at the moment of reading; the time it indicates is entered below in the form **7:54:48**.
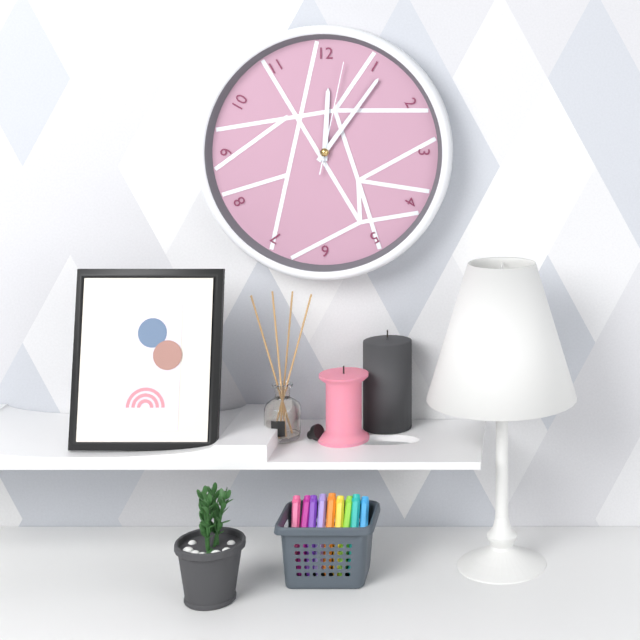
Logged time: **12:06:02**
